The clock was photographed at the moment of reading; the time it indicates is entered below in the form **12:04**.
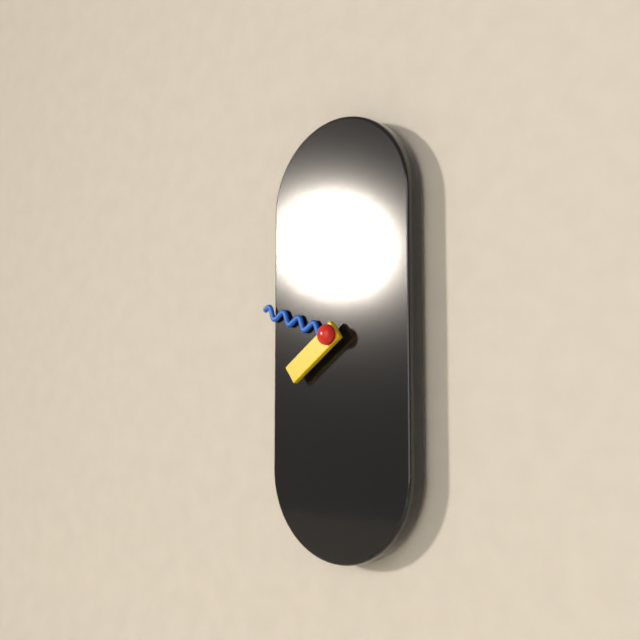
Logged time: **7:48**
